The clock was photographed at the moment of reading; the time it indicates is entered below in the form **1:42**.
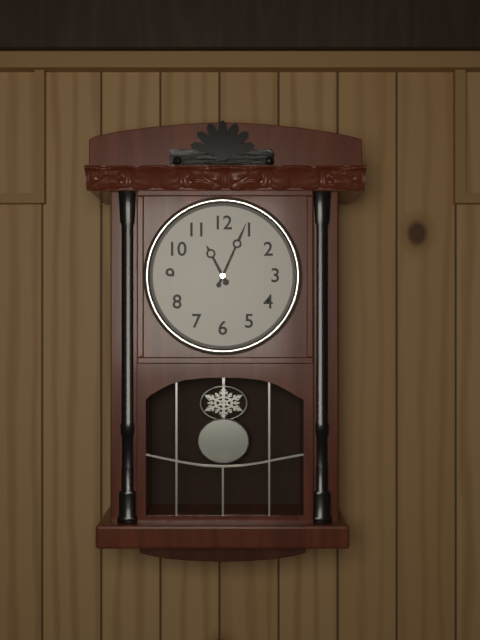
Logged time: **11:04**
